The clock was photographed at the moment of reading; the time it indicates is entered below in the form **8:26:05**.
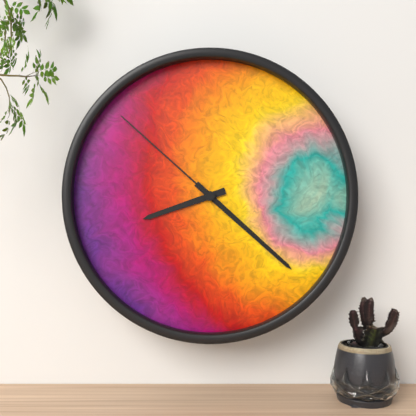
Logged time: **8:22:52**
